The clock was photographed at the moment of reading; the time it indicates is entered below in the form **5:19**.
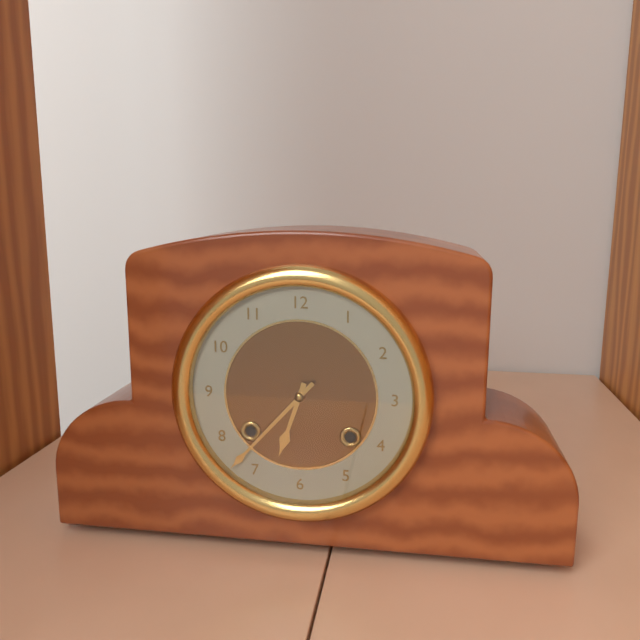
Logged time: **6:37**
